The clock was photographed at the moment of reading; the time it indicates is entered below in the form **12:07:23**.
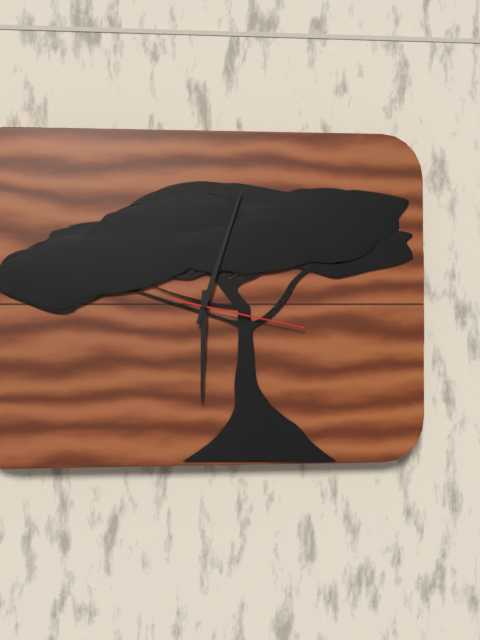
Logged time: **6:03:17**
